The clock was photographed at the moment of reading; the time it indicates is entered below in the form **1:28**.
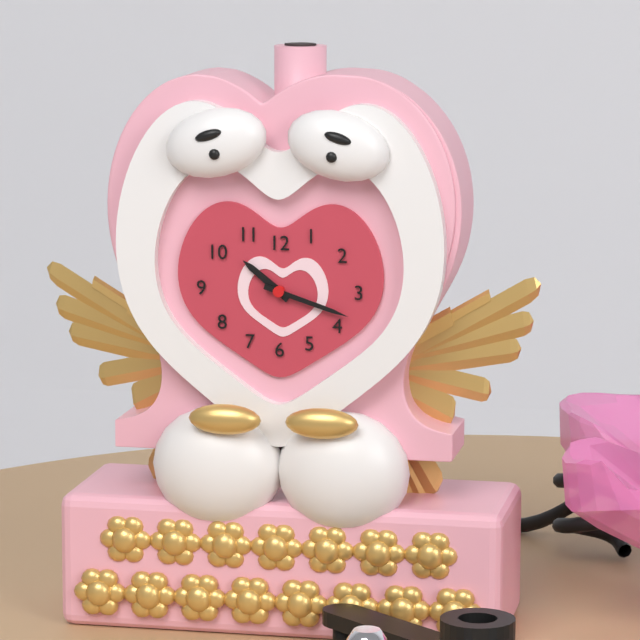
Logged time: **10:18**
